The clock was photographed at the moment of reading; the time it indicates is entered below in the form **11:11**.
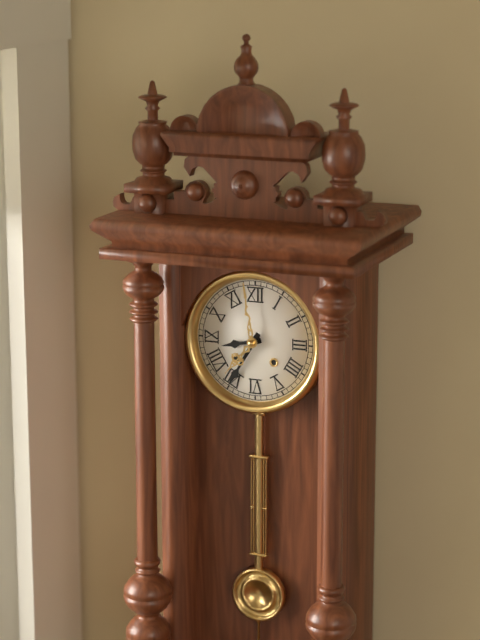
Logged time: **8:35**
